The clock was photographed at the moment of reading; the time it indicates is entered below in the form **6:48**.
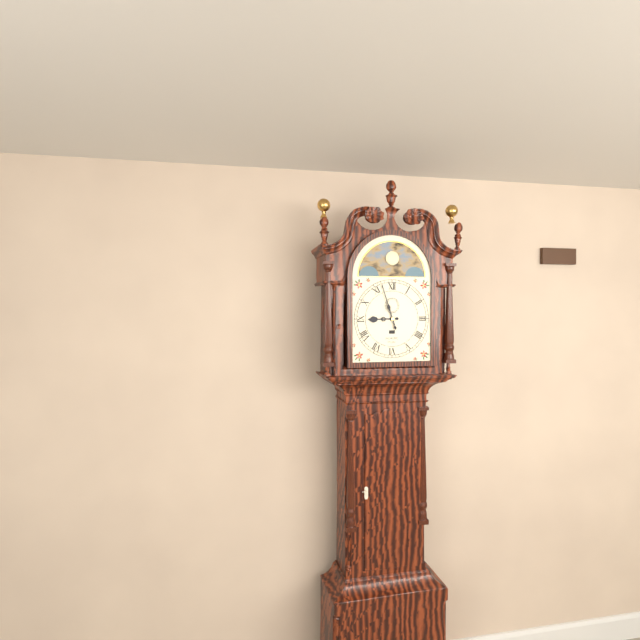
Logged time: **8:57**
